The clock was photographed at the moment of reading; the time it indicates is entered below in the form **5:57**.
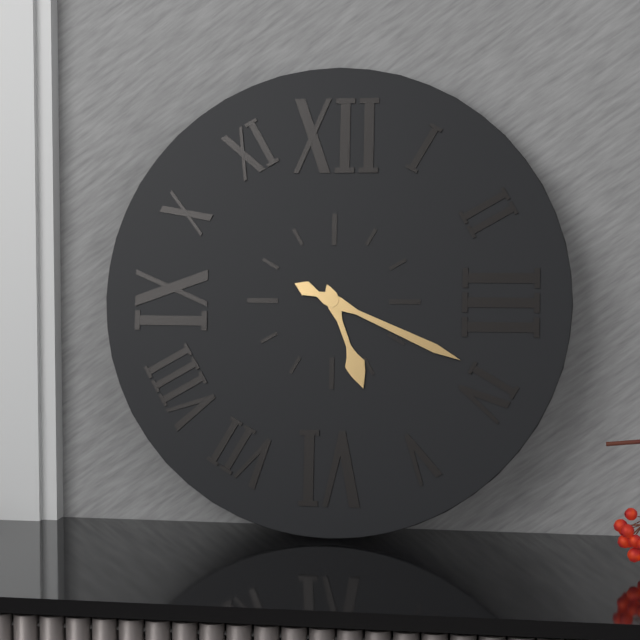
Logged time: **5:19**
